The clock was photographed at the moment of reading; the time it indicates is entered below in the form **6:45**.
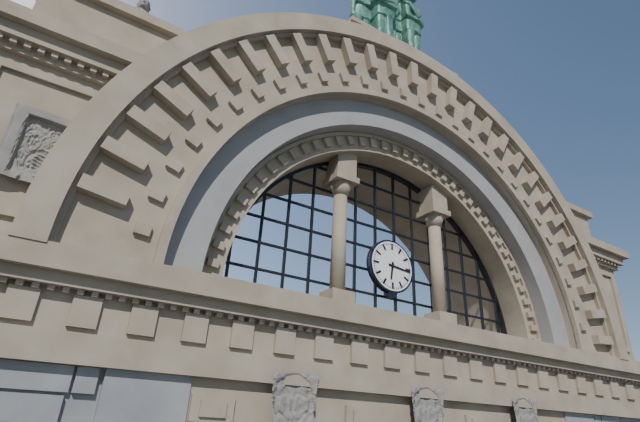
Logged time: **6:16**
